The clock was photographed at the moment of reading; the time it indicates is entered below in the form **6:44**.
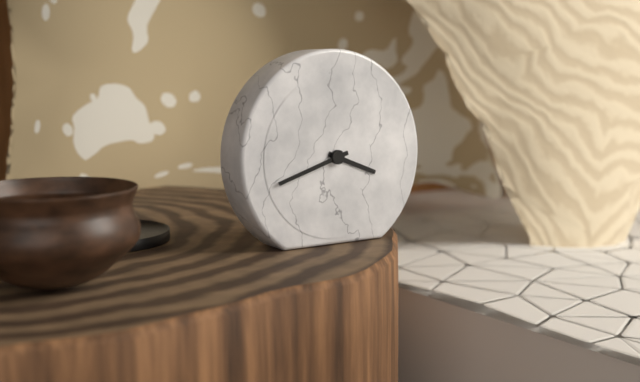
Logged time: **3:42**
